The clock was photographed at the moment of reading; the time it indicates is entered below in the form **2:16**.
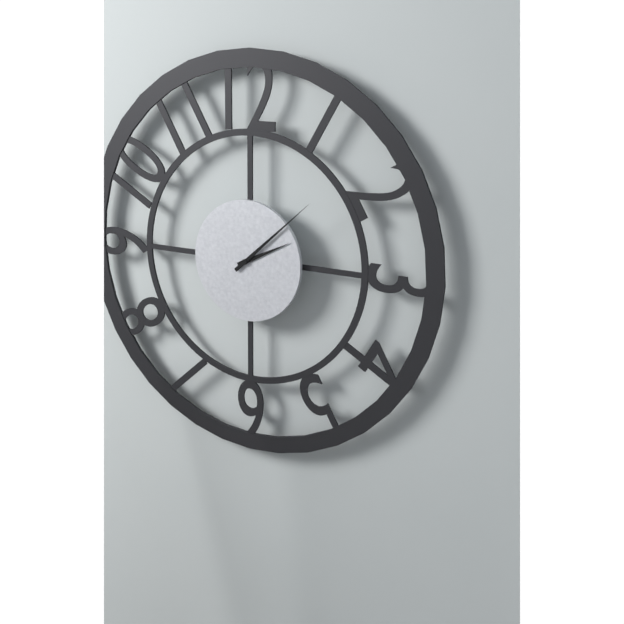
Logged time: **2:08**
